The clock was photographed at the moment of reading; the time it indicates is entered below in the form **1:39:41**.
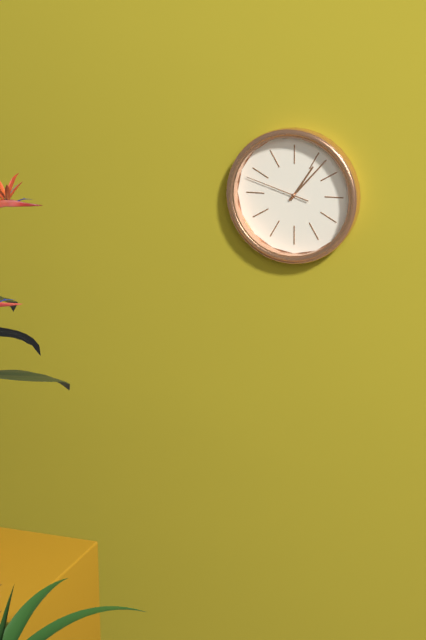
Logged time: **1:07:48**
